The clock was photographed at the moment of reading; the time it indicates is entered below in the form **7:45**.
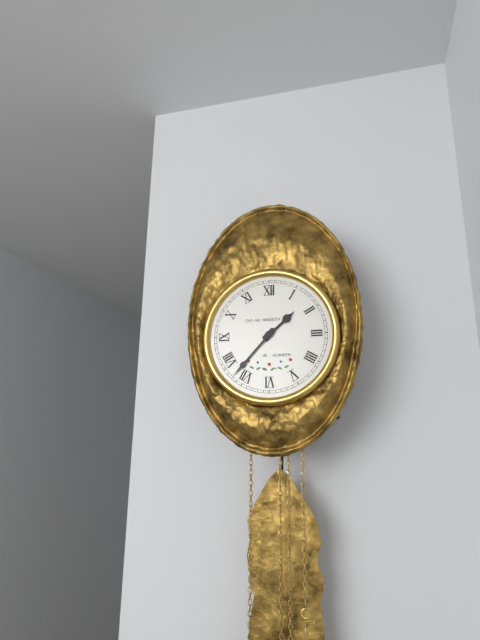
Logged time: **1:37**
